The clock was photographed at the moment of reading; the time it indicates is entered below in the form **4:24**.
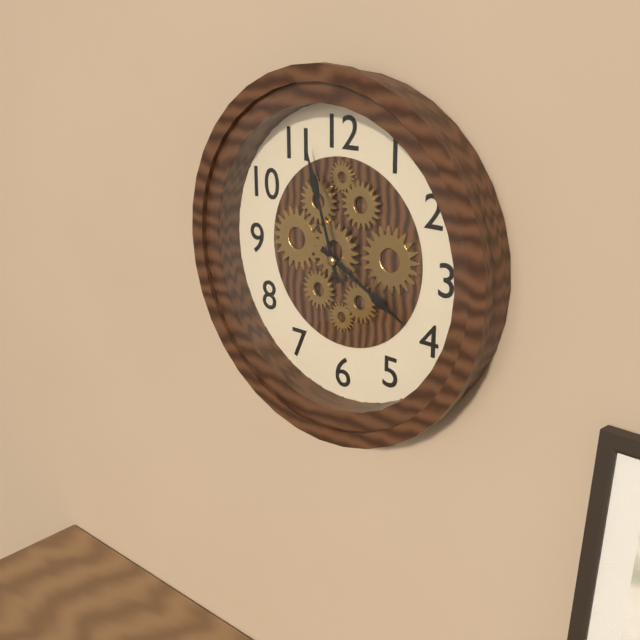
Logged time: **3:57**
